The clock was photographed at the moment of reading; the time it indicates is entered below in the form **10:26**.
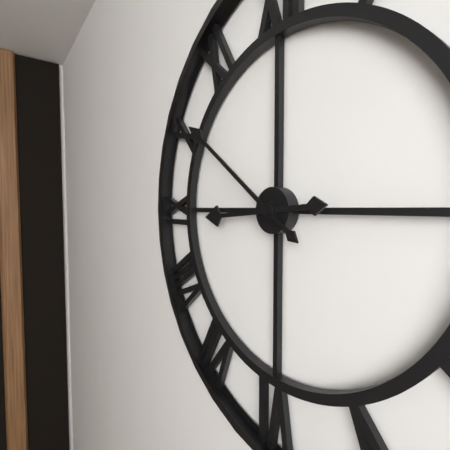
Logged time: **8:51**
